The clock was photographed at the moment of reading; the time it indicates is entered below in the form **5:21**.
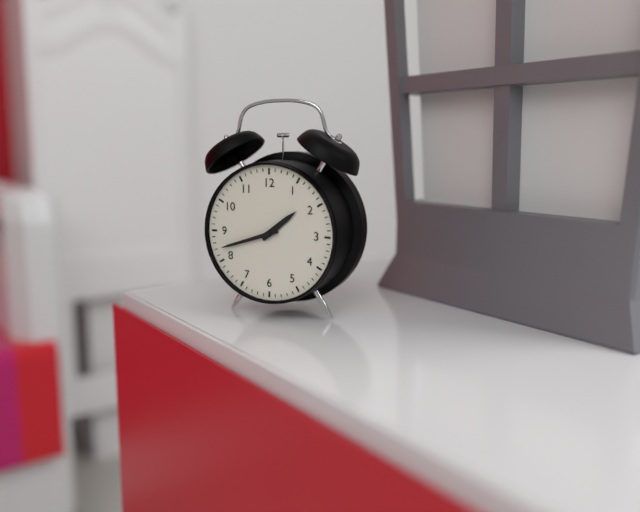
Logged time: **1:42**
